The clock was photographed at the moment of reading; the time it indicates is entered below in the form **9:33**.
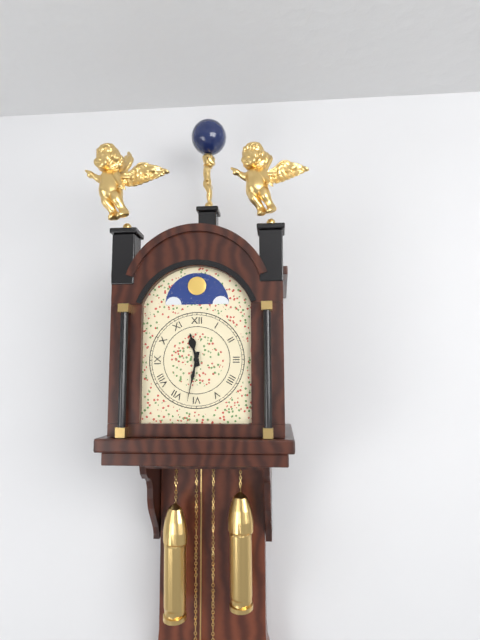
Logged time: **11:32**
